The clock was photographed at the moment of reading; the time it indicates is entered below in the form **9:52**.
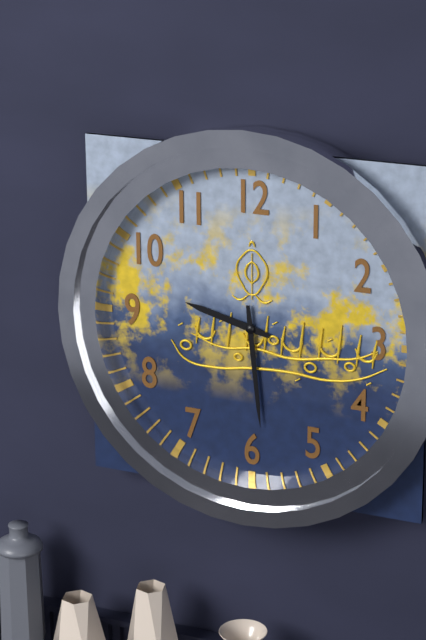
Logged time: **9:29**
